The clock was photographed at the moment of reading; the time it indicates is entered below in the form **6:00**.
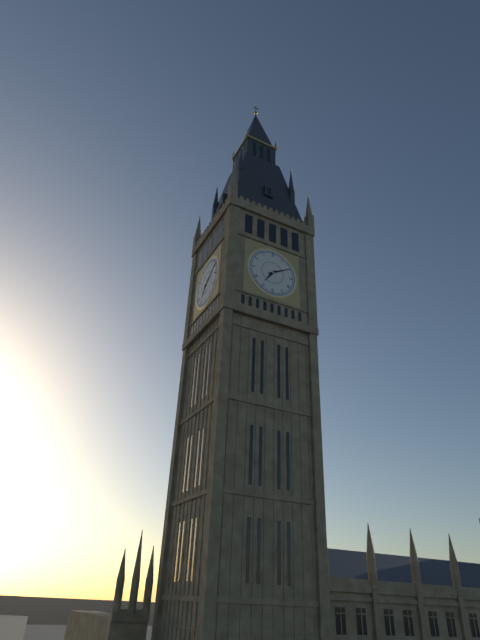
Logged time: **7:10**
